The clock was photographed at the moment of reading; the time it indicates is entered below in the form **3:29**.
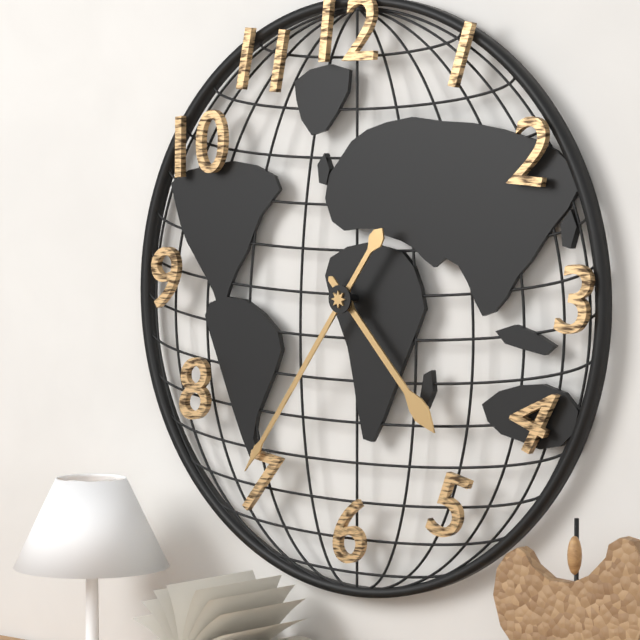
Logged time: **4:36**
